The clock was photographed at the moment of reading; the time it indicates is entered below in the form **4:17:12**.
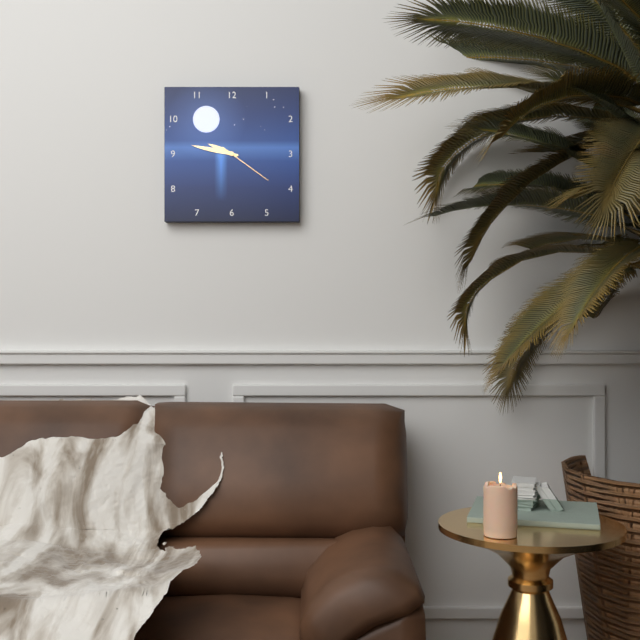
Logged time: **9:47:21**
